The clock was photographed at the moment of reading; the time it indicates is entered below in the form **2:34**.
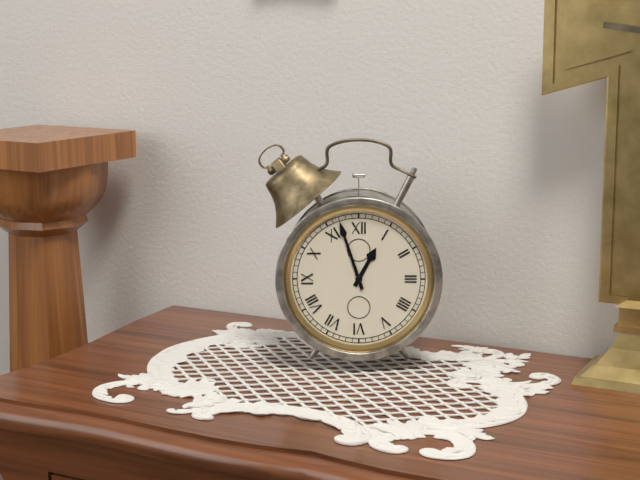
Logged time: **12:57**
